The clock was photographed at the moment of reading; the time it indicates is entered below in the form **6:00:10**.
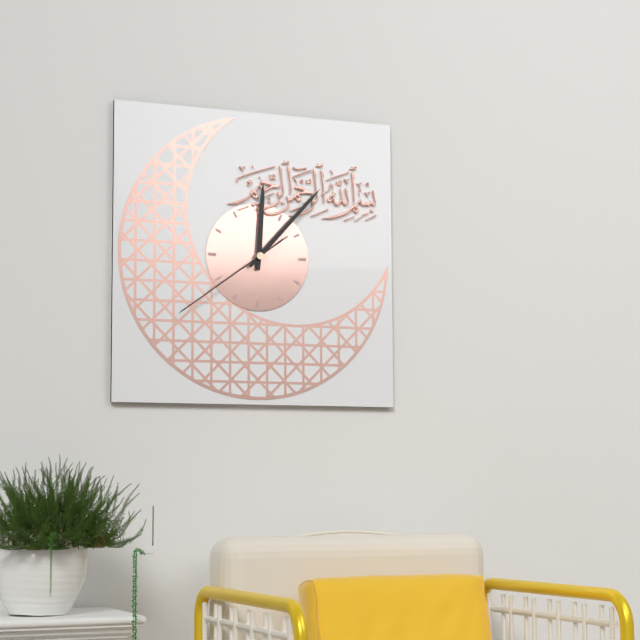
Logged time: **12:07:39**
